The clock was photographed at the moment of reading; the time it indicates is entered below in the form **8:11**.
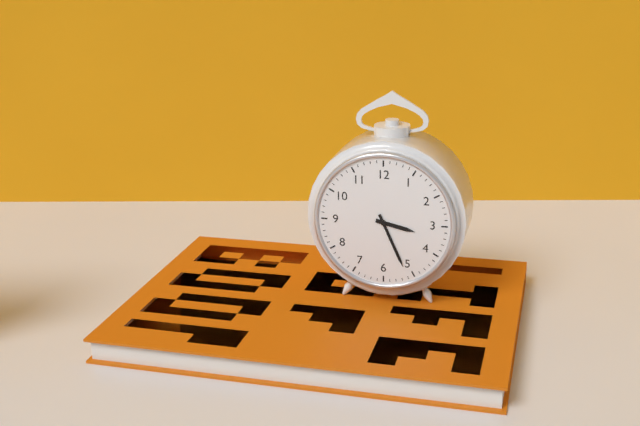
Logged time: **3:26**
